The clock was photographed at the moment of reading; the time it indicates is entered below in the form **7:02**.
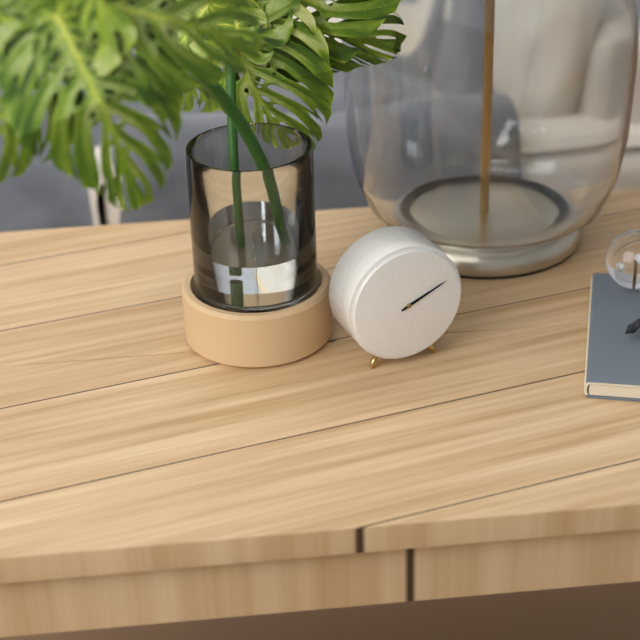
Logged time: **2:11**
